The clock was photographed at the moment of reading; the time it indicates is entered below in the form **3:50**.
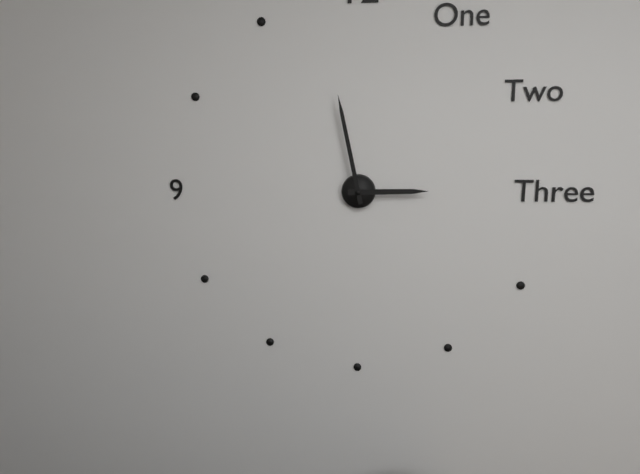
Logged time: **2:58**
